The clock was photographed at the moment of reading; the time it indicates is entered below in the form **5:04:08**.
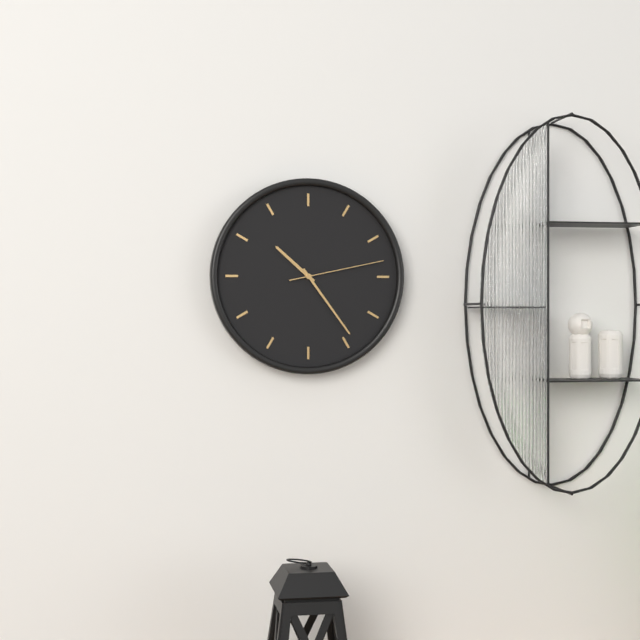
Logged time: **10:24:13**
